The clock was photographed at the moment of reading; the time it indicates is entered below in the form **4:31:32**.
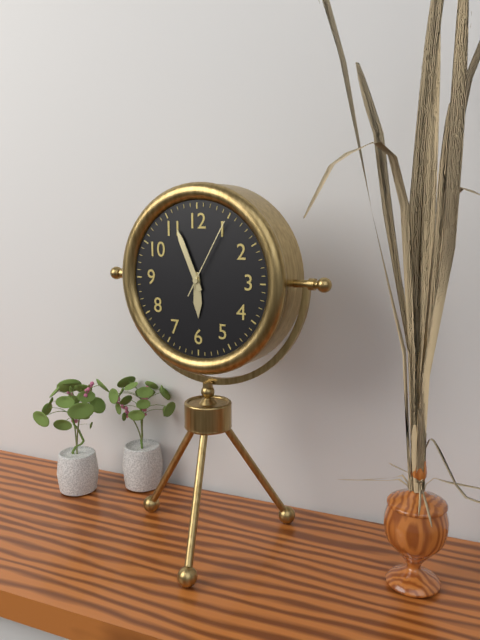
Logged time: **5:56:05**
